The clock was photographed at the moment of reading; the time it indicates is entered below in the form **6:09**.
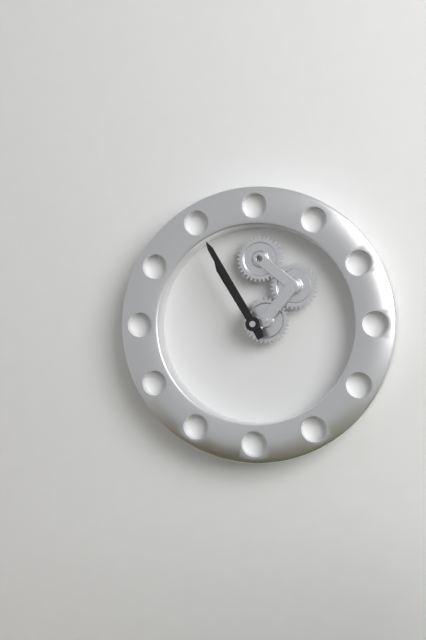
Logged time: **10:55**
